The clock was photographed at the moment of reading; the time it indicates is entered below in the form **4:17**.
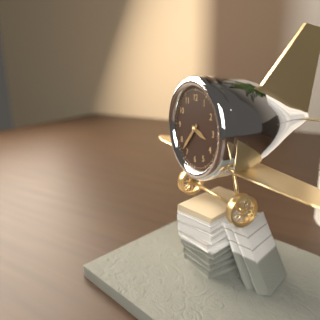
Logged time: **3:37**
